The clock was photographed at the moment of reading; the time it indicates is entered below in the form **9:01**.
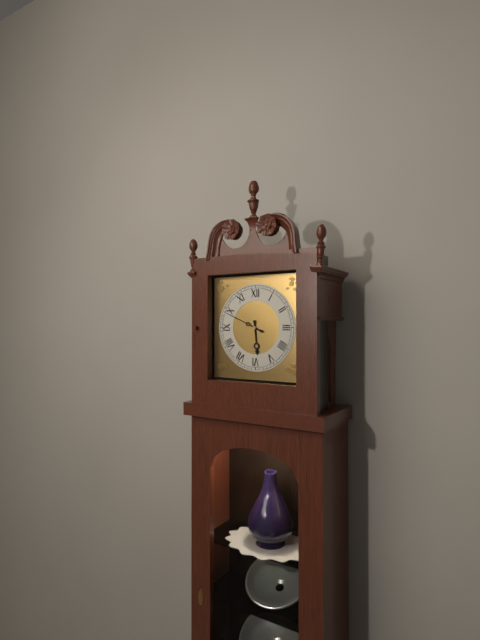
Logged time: **5:49**
